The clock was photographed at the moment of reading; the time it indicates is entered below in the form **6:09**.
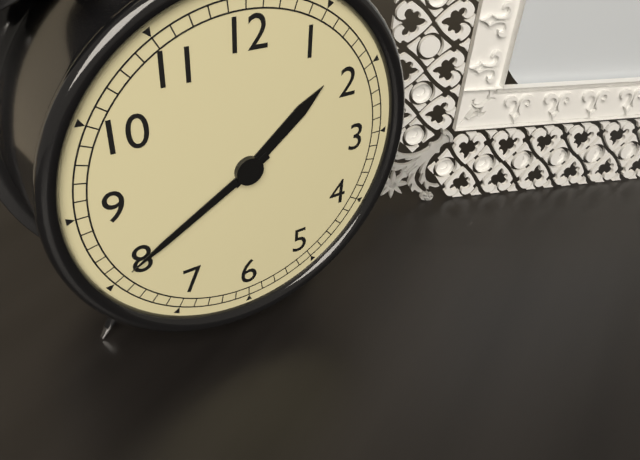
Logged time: **1:40**
